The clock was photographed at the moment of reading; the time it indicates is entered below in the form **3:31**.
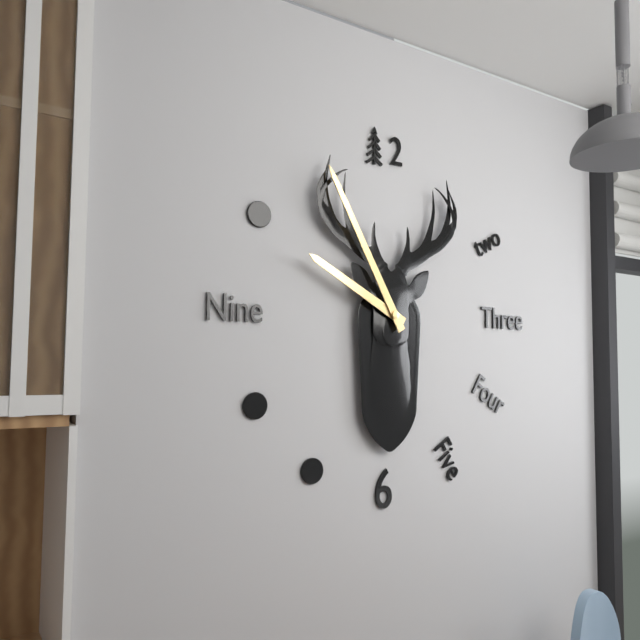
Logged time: **9:55**
